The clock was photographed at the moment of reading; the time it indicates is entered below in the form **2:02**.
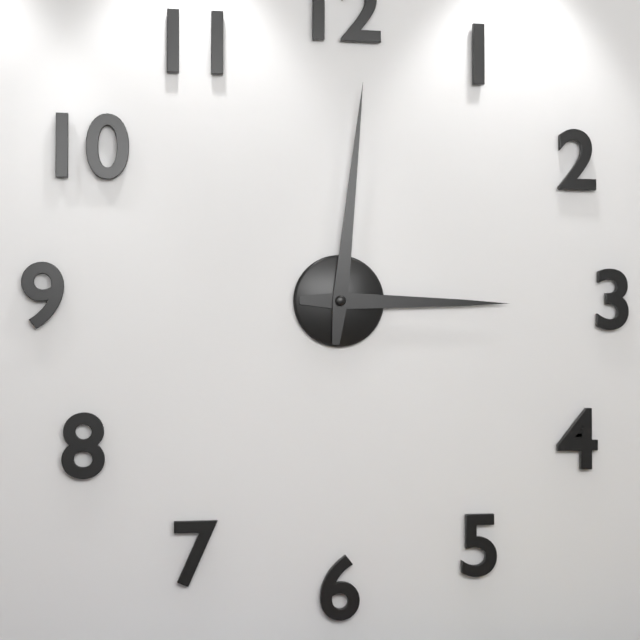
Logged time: **3:01**
